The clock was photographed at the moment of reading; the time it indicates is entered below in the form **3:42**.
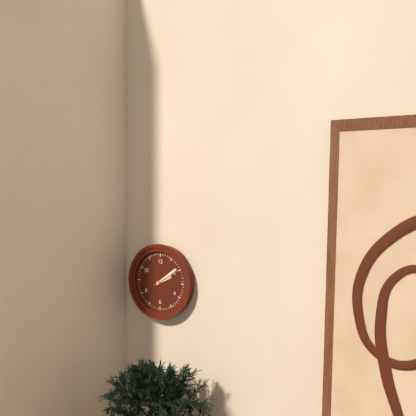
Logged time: **2:09**
